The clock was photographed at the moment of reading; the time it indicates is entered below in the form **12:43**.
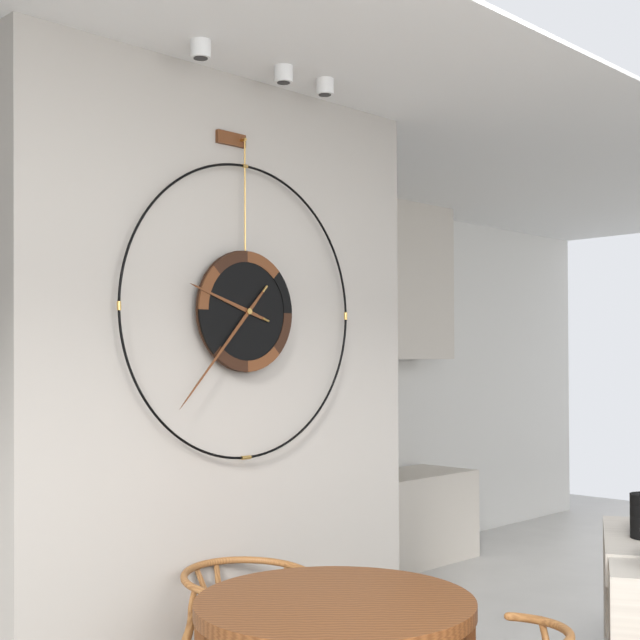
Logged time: **9:37**
